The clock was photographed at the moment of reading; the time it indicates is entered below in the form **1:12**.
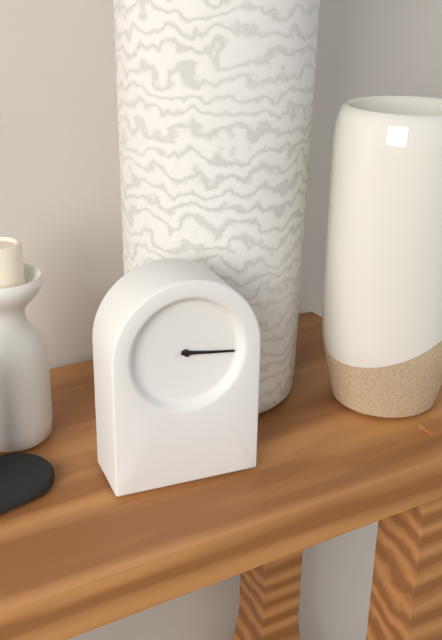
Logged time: **3:16**
